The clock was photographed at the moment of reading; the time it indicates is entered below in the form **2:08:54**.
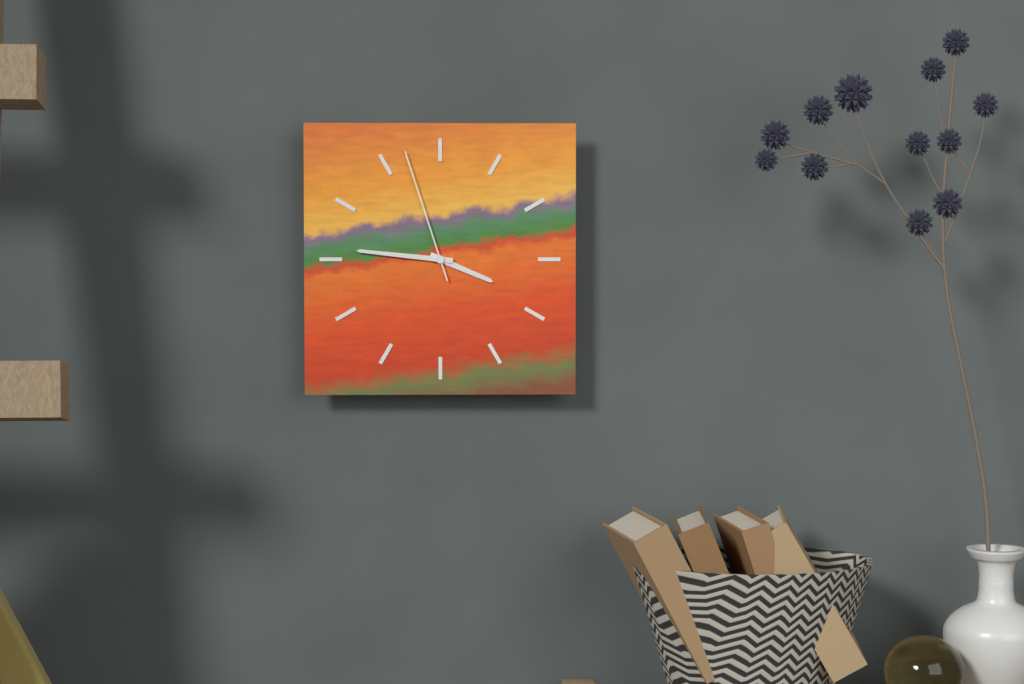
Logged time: **3:46:57**
